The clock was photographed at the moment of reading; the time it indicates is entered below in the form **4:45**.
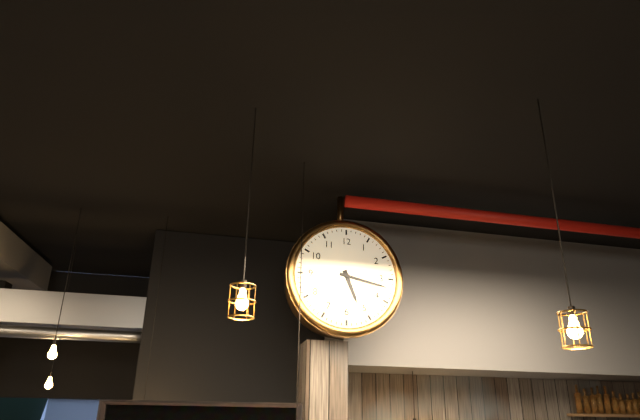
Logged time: **5:17**
